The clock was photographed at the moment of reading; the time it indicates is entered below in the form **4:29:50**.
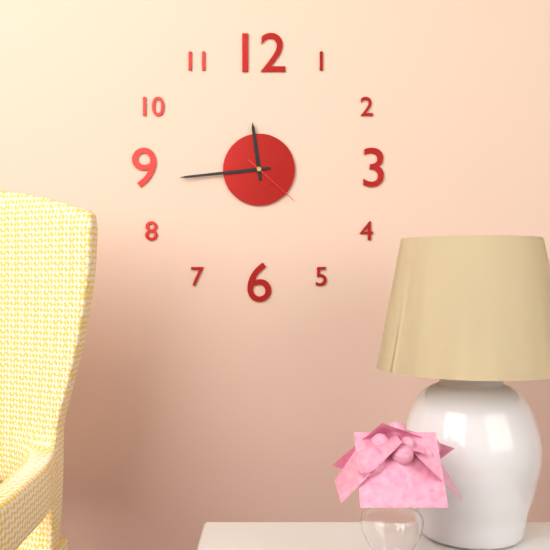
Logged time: **11:44:22**
